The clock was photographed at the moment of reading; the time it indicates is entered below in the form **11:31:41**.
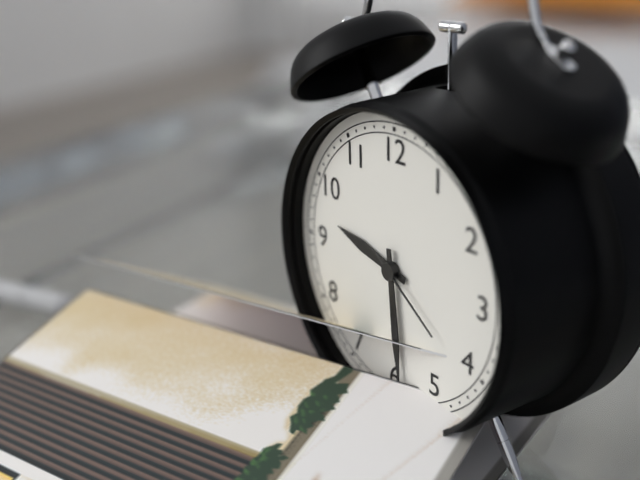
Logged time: **9:29:21**
